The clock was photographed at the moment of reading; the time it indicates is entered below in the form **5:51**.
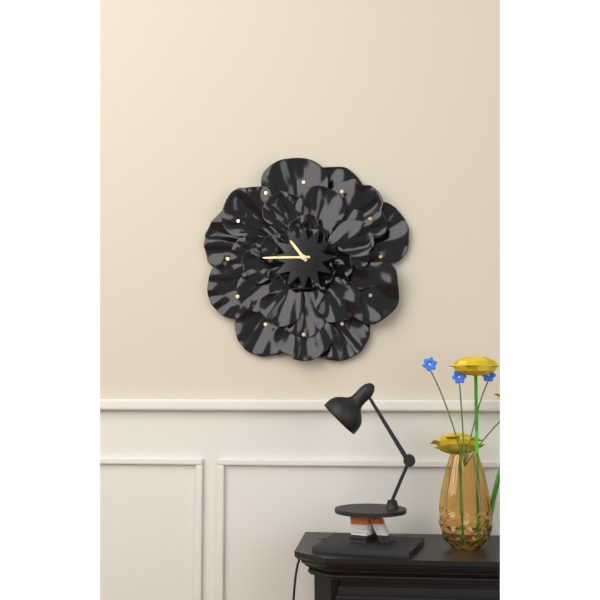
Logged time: **10:45**
